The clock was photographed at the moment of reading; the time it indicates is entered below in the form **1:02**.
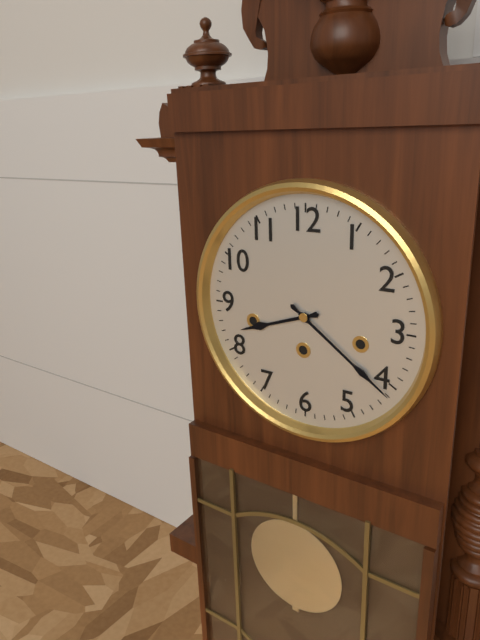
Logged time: **8:21**
